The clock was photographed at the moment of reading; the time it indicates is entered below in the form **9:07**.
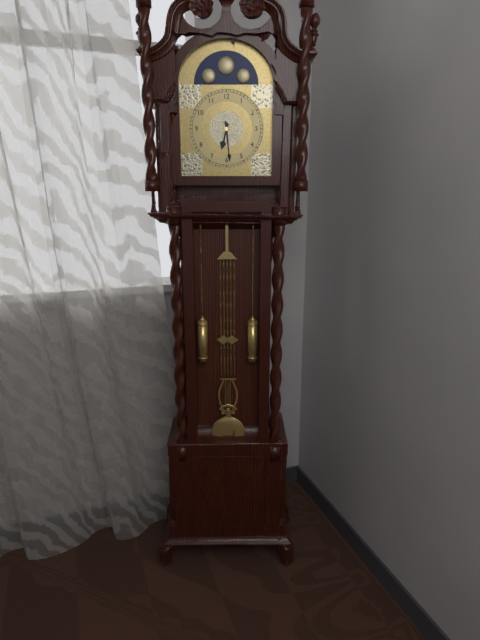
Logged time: **6:29**
